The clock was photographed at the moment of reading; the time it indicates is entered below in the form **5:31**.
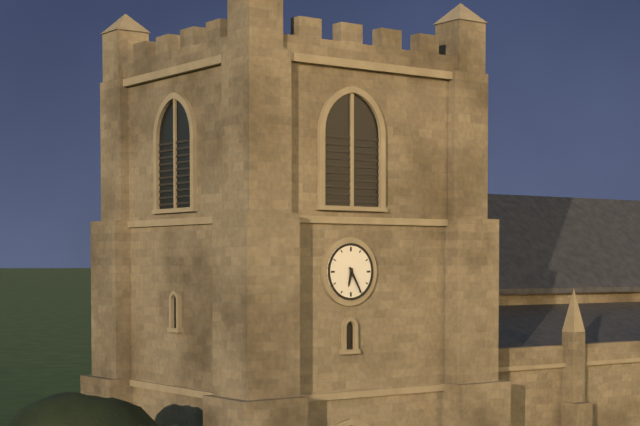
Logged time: **6:25**
